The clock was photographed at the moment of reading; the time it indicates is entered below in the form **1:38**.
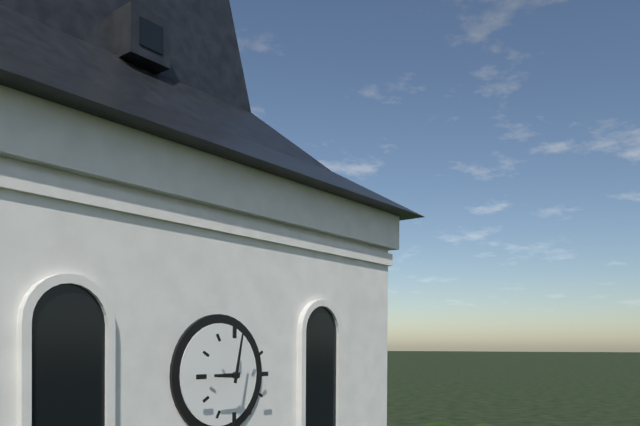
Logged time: **9:02**
